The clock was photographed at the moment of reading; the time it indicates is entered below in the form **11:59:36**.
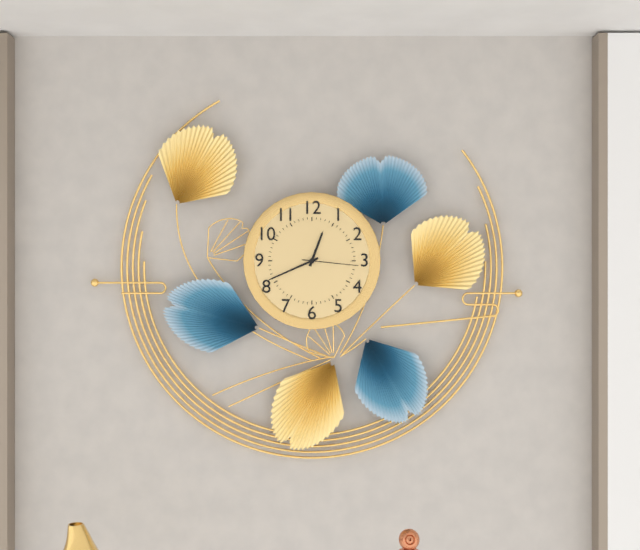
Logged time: **12:41:16**
